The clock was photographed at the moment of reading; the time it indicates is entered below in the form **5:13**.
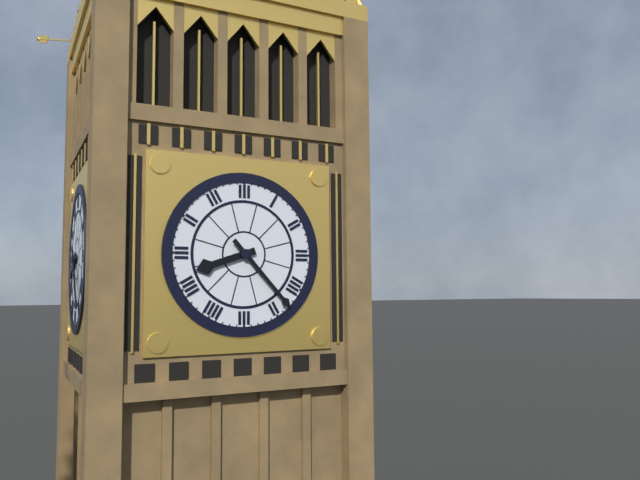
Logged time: **8:23**
